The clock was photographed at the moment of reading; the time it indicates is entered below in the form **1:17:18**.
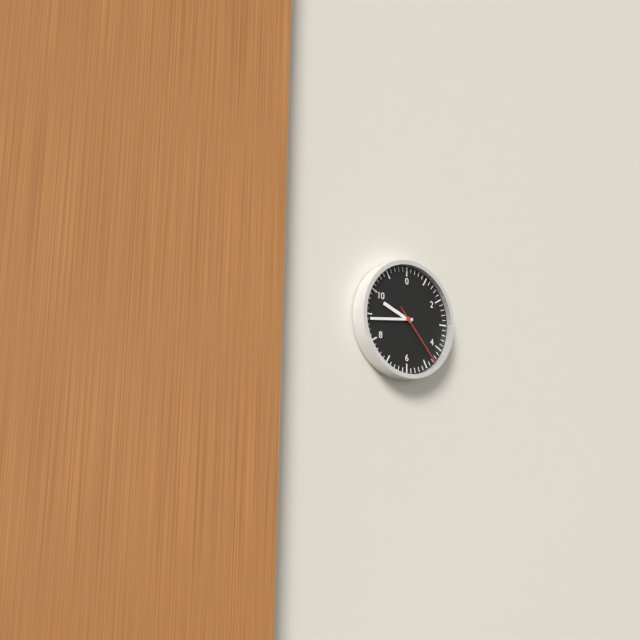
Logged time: **9:44:23**
